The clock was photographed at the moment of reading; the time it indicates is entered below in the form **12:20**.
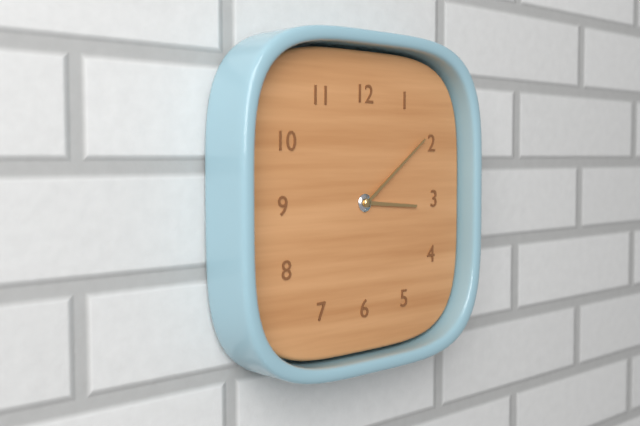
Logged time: **3:09**
